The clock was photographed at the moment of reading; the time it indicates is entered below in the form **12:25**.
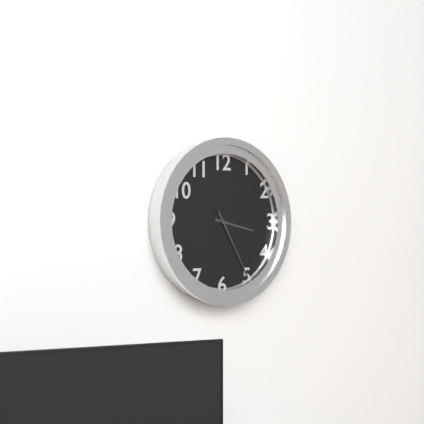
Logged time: **3:25**
